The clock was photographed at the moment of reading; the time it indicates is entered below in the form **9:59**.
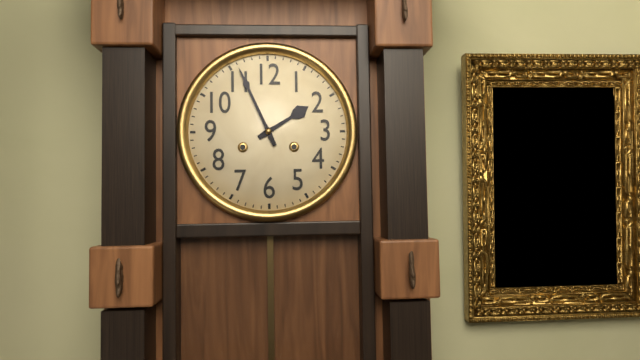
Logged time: **1:56**
